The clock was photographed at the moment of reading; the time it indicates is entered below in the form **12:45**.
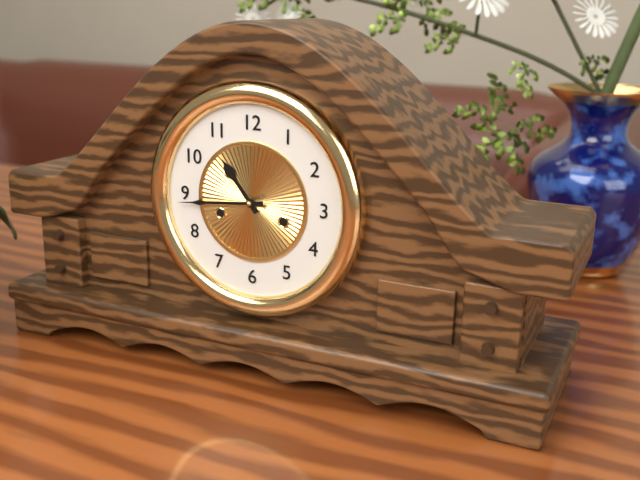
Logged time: **10:44**
